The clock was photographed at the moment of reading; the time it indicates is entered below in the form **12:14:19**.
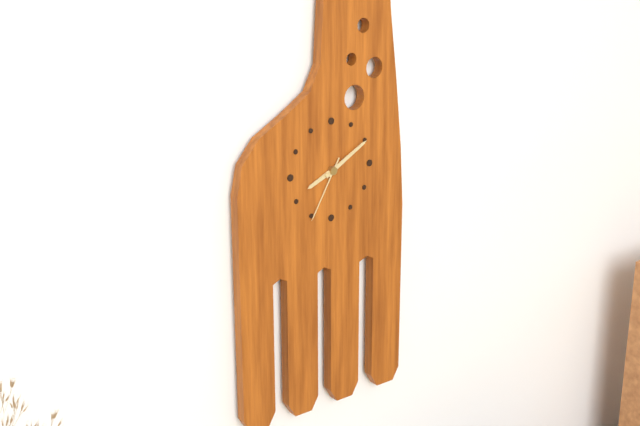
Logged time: **8:10:35**
